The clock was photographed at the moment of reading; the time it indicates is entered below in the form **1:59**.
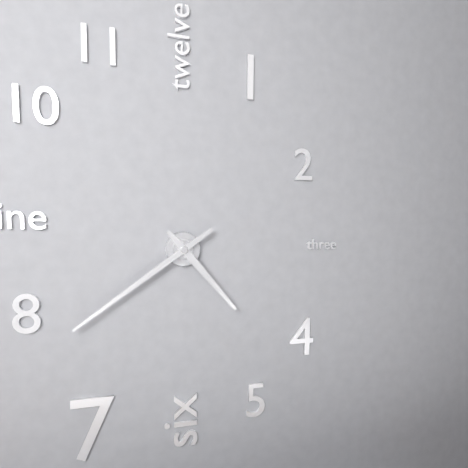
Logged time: **4:39**
